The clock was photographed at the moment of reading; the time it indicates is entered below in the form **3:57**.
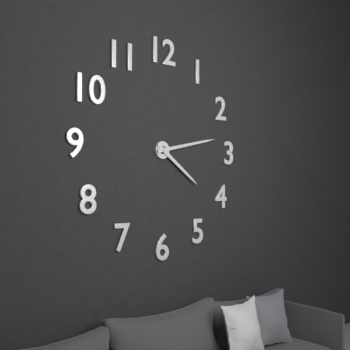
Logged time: **4:13**
